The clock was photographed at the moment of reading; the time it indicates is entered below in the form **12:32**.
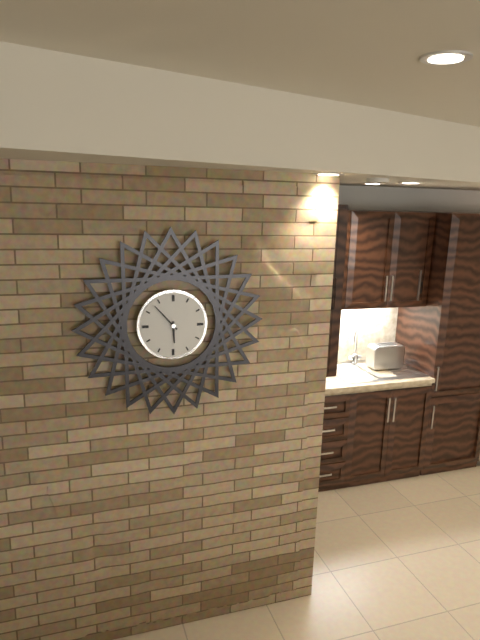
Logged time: **5:53**
